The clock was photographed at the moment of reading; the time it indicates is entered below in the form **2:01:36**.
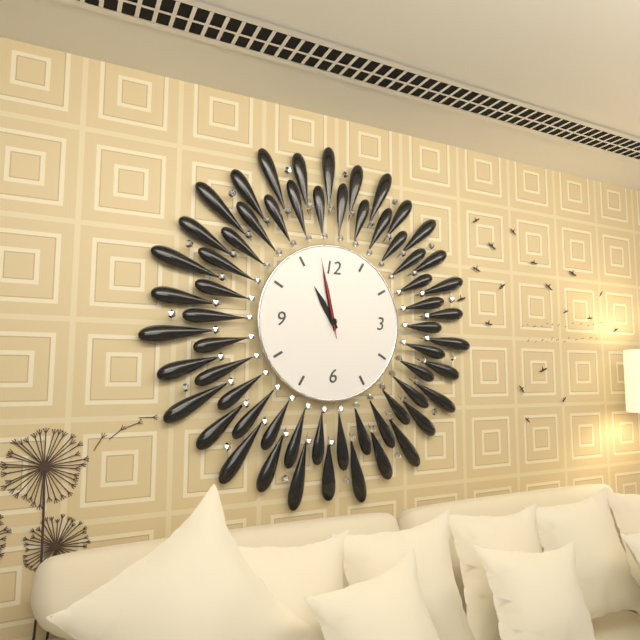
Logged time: **10:58:58**
